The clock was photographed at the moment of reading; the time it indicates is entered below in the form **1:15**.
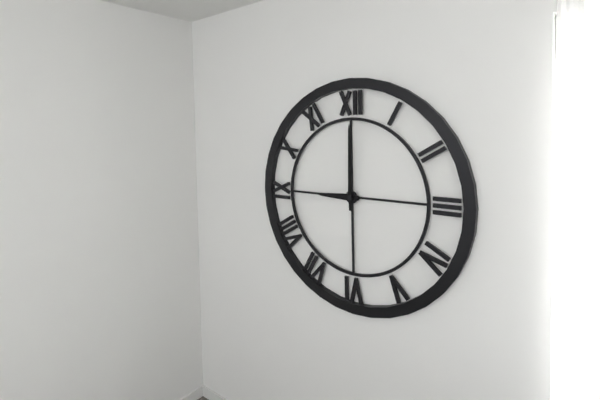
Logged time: **9:00**
